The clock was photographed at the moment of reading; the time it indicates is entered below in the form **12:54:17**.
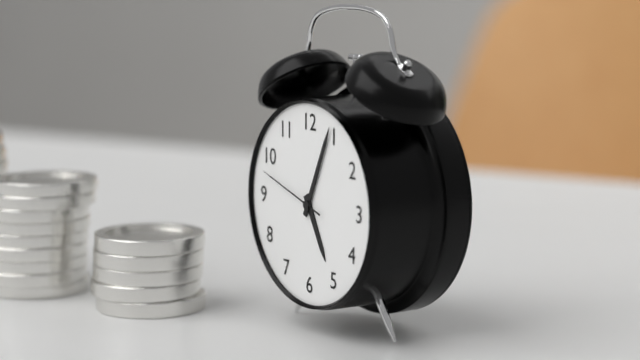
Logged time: **5:04:48**
